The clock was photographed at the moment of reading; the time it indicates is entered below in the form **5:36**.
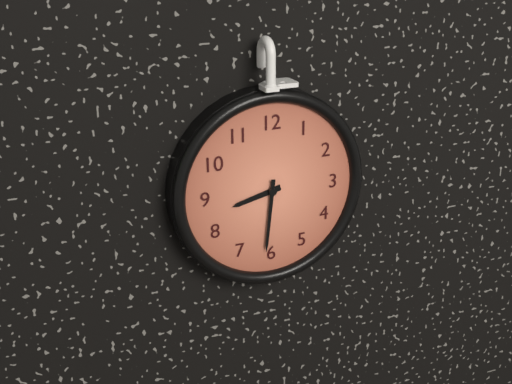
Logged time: **8:31**
